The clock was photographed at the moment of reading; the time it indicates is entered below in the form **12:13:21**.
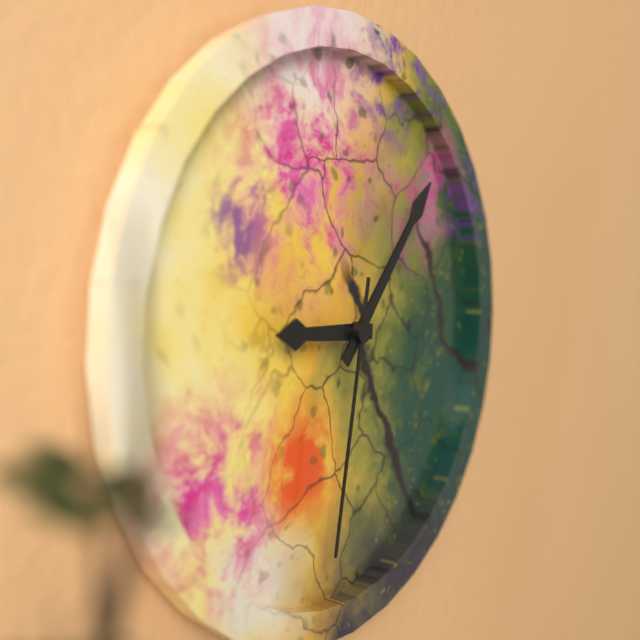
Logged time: **9:07:32**
